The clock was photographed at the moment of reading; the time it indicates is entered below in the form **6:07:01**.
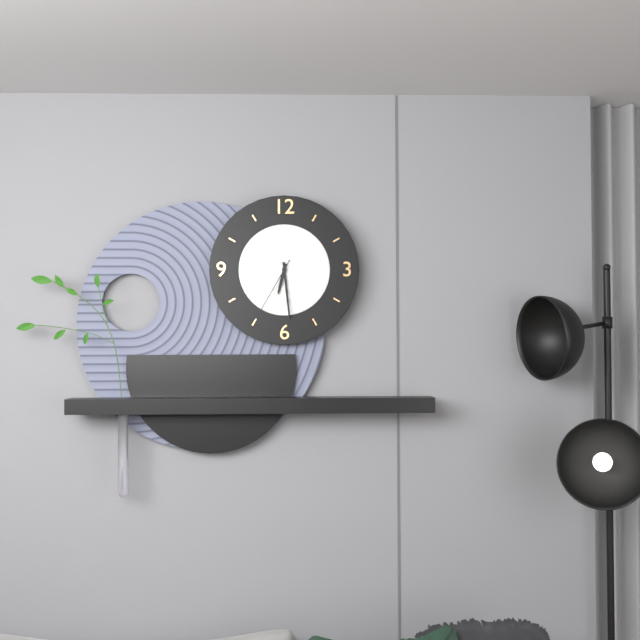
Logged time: **6:29:35**
